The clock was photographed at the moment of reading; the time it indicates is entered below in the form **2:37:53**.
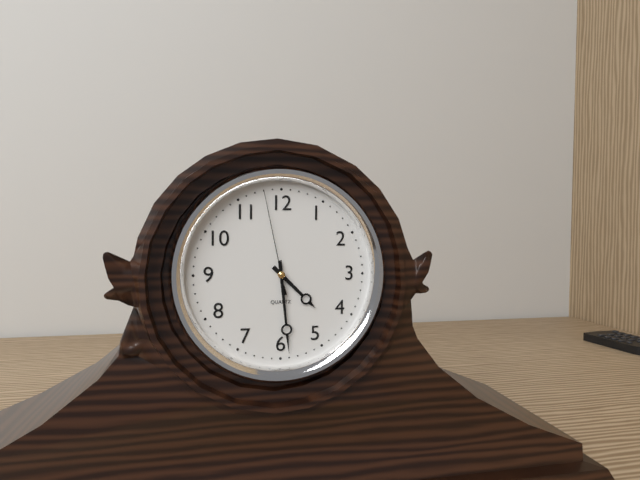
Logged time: **4:29:58**
